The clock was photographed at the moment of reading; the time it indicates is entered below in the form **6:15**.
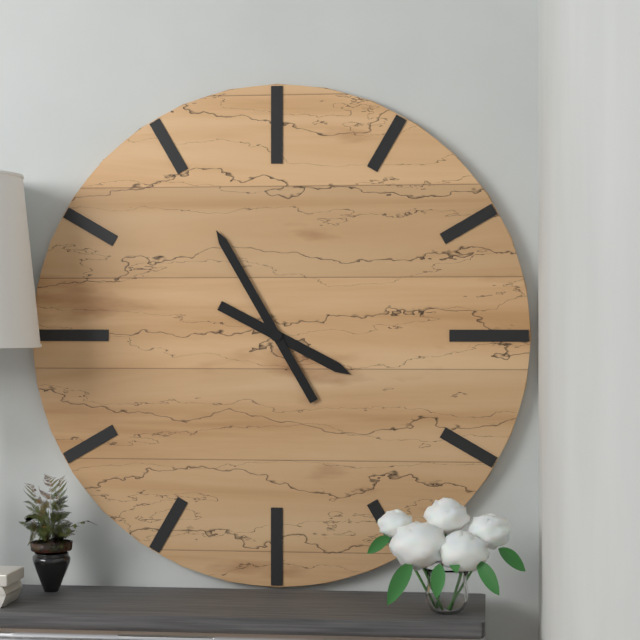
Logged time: **3:55**
